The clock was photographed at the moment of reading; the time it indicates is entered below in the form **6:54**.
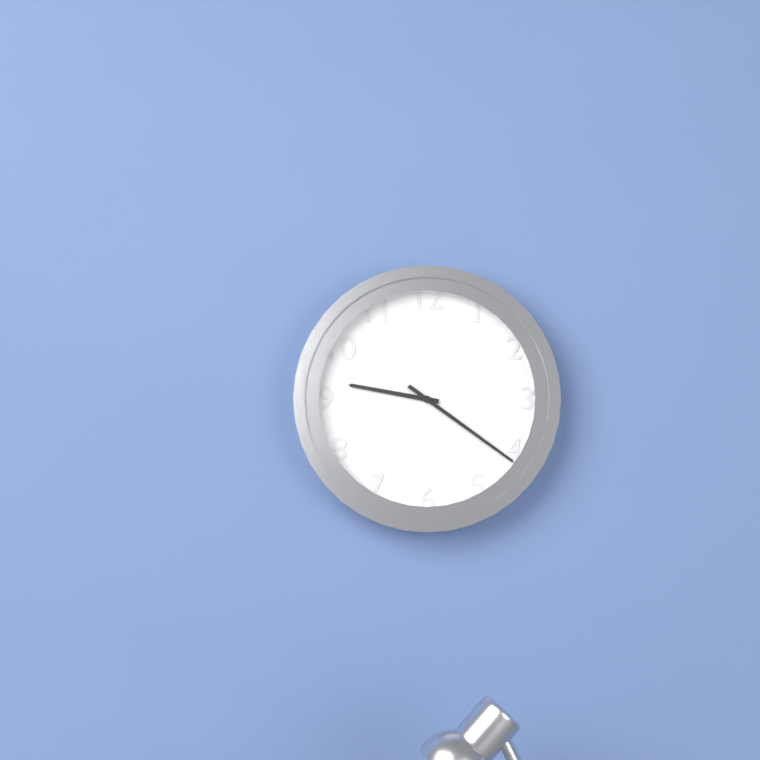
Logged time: **9:21**
